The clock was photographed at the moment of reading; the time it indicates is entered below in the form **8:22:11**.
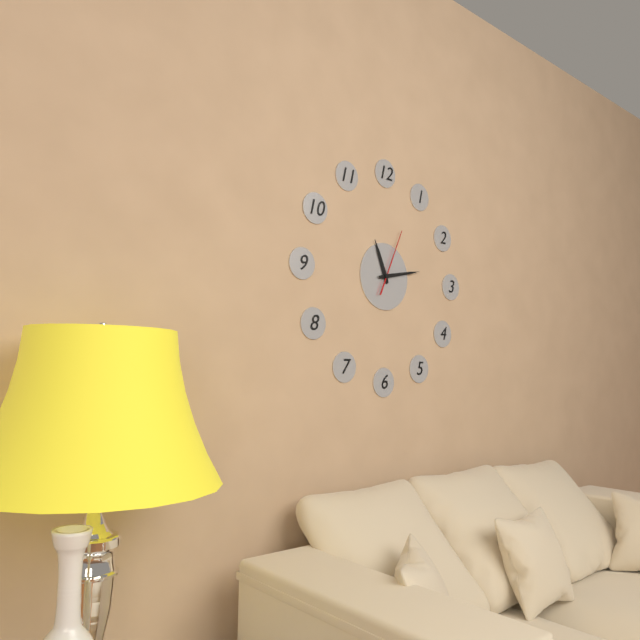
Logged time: **11:13:04**
